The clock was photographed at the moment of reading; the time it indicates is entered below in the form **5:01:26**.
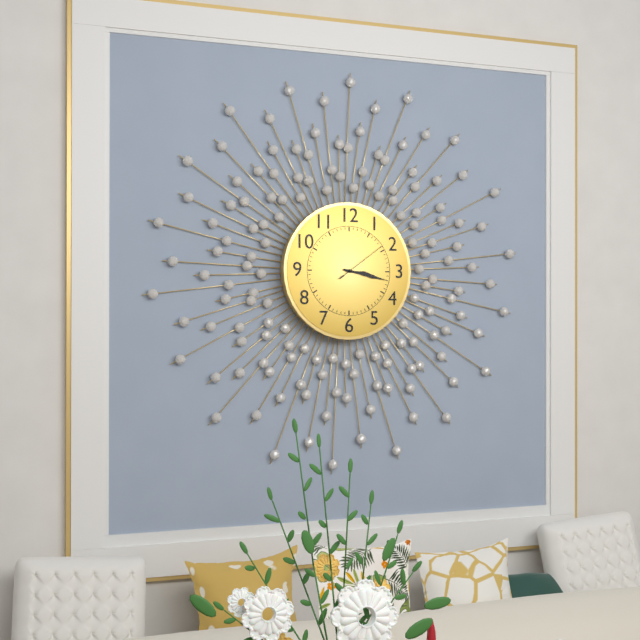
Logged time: **3:17:09**
